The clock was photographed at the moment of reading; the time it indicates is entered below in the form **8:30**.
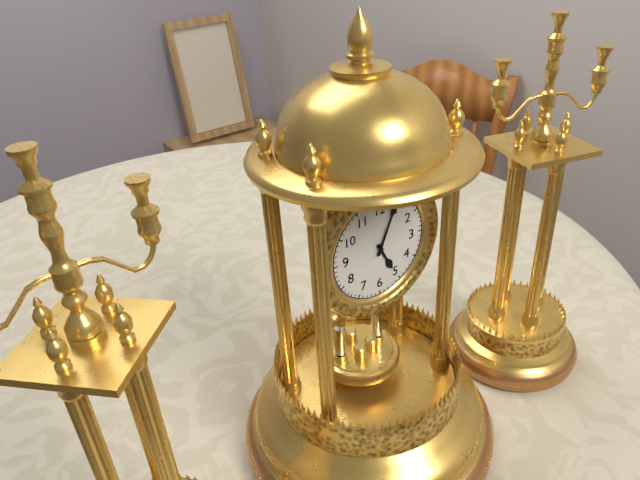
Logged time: **5:04**
